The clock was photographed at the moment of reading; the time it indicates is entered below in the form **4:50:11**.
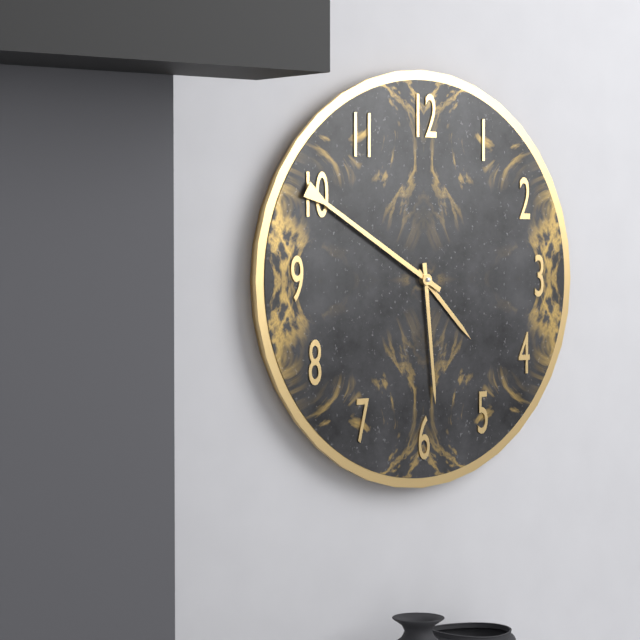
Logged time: **4:29:50**
